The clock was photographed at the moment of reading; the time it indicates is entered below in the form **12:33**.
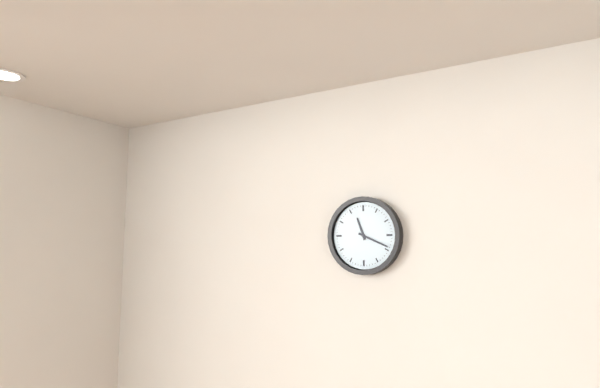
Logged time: **11:19**
